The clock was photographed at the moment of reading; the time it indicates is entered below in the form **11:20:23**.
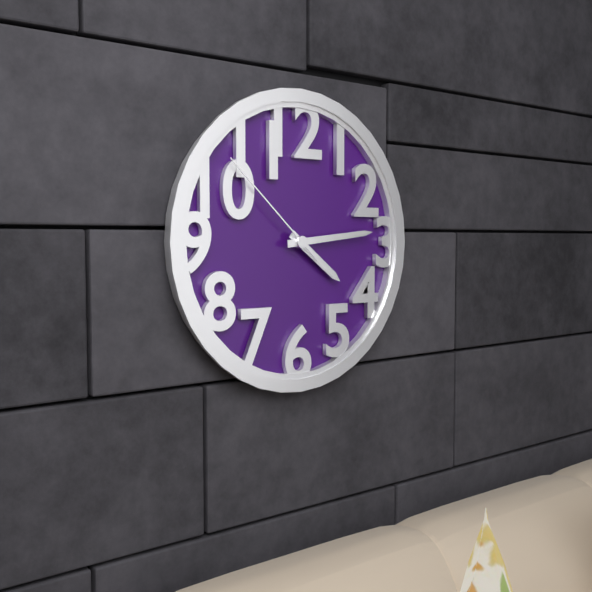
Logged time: **4:14:52**
